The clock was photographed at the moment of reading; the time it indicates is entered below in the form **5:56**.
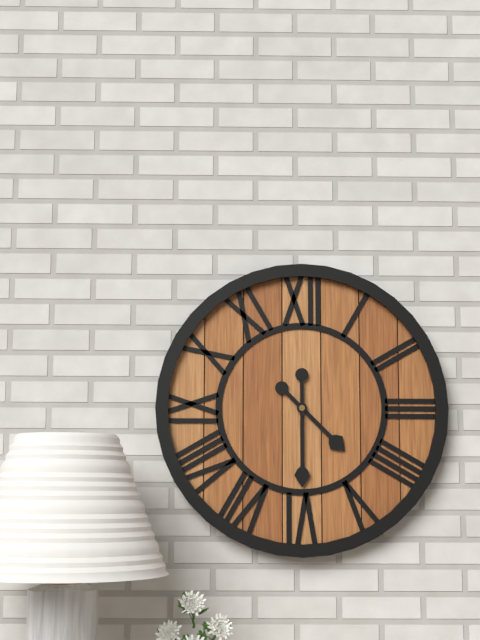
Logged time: **4:30**
